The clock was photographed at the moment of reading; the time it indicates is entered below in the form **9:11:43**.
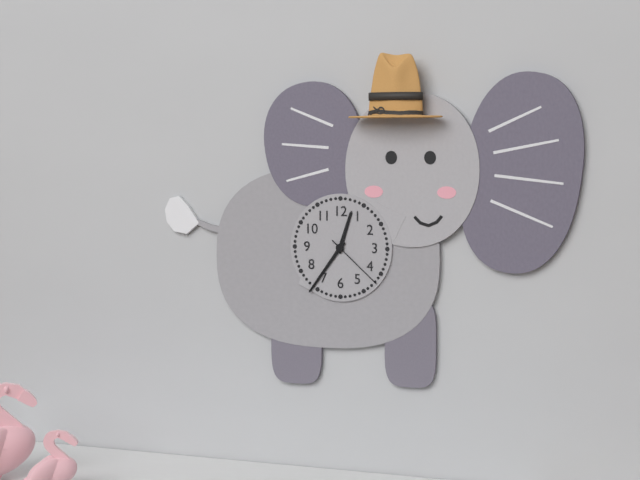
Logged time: **12:36:22**
